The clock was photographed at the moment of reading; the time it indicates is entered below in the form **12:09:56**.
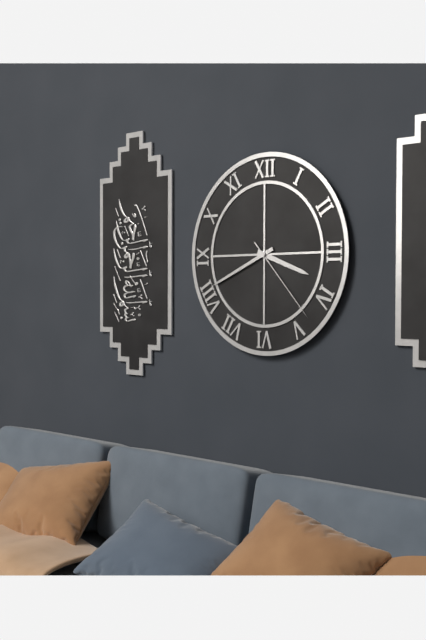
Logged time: **3:41:23**
